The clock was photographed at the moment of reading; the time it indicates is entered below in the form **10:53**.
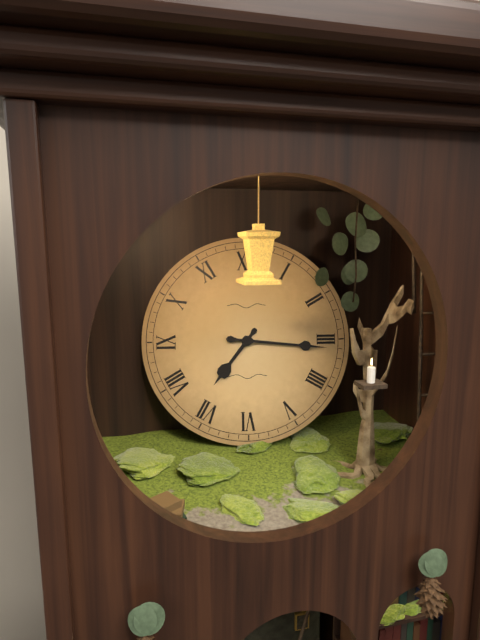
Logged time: **7:16**
